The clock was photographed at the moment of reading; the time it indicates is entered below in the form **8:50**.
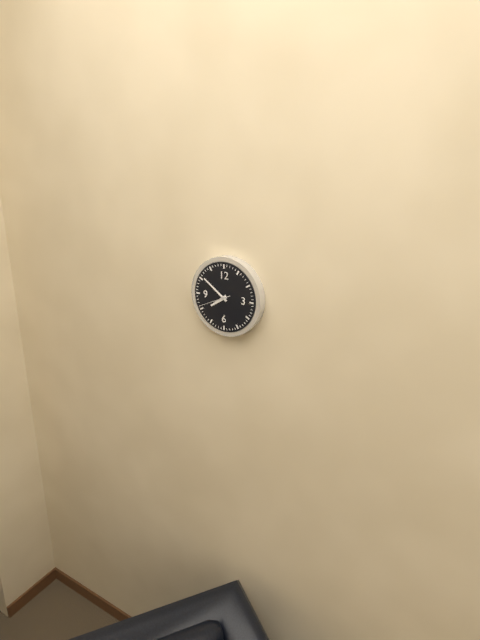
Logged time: **7:51**
